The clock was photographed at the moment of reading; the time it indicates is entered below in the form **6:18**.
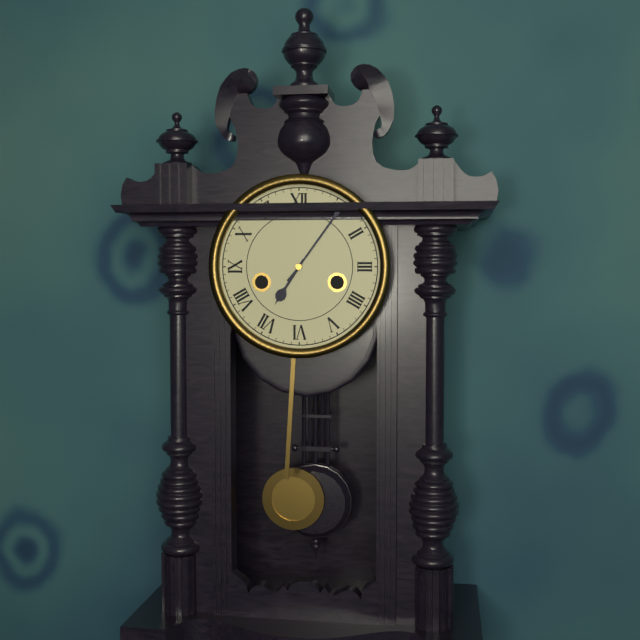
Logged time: **7:06**
